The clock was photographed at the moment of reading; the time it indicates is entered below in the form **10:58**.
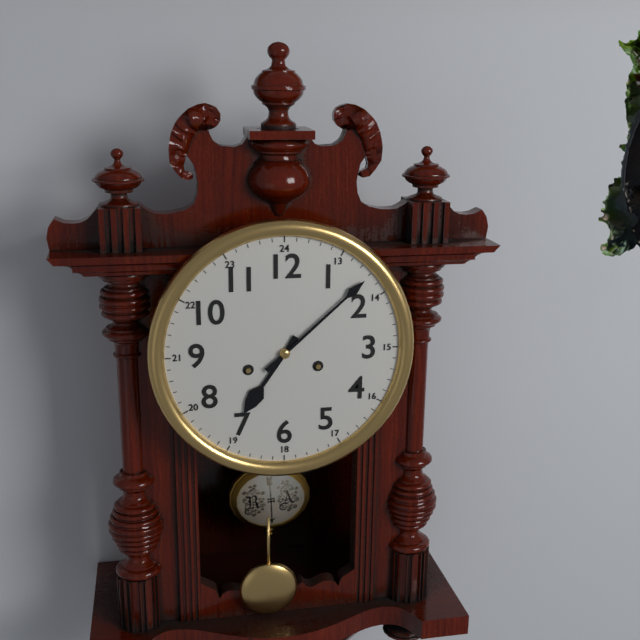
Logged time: **7:08**
